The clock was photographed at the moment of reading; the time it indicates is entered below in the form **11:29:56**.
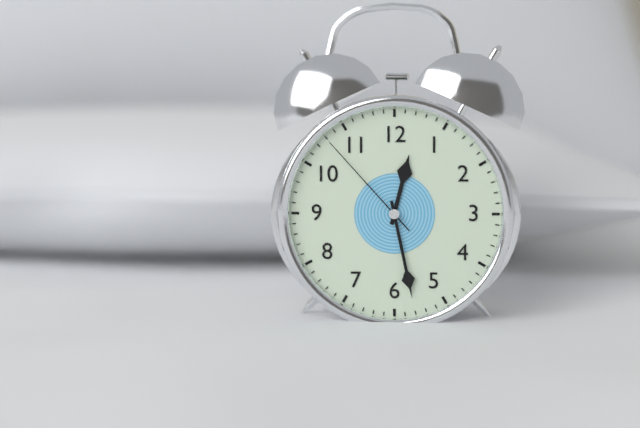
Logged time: **12:28:53**
